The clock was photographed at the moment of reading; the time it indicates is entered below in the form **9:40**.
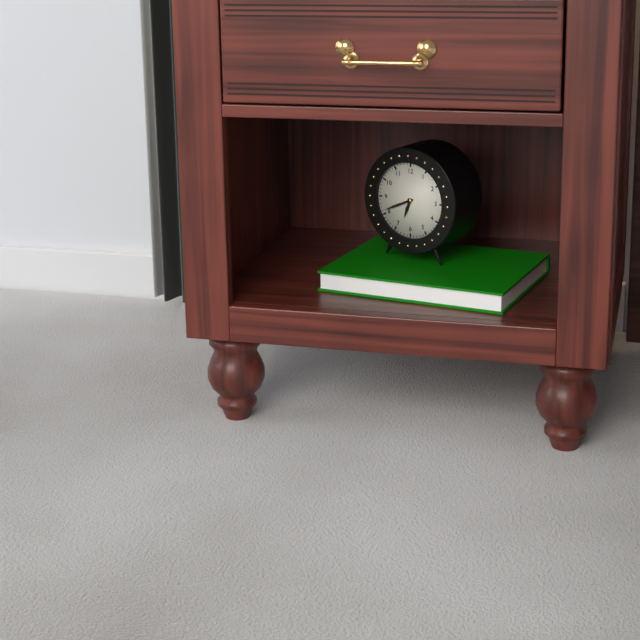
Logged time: **6:41**
